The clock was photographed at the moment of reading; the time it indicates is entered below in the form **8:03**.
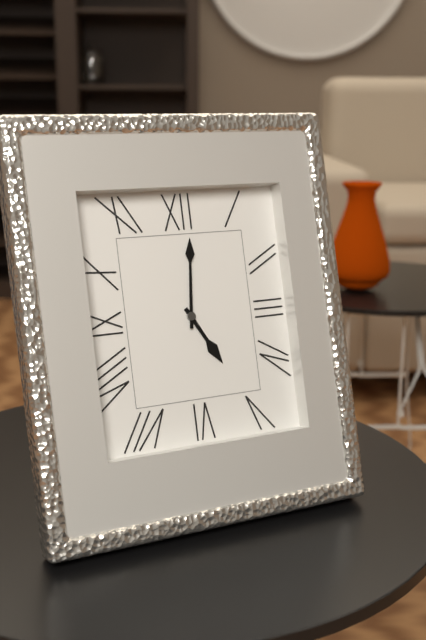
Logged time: **5:01**
